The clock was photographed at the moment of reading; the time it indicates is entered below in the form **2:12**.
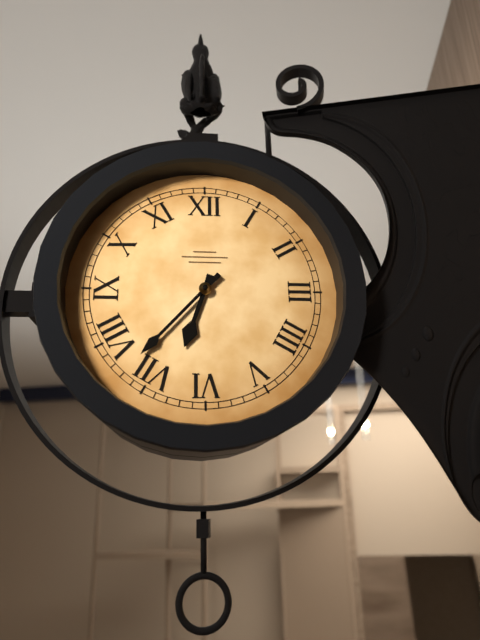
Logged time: **6:37**
